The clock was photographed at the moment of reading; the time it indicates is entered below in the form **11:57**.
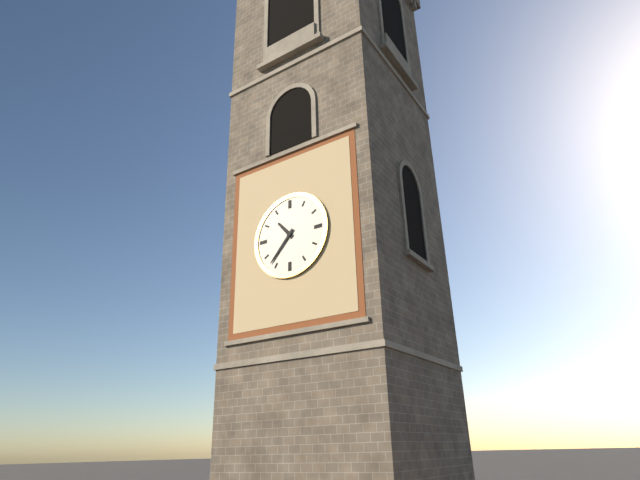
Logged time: **10:37**
